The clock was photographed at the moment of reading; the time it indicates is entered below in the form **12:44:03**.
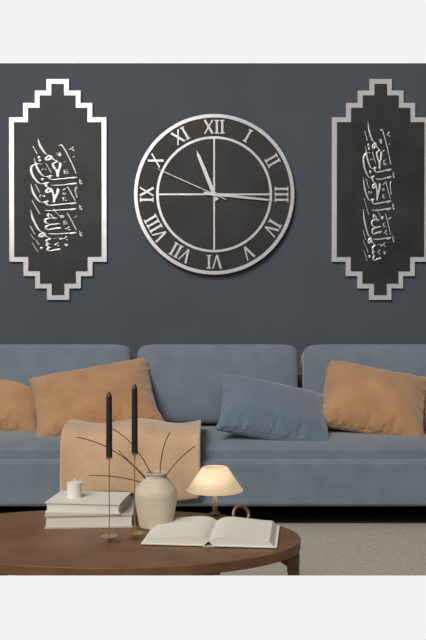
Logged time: **11:16:49**
